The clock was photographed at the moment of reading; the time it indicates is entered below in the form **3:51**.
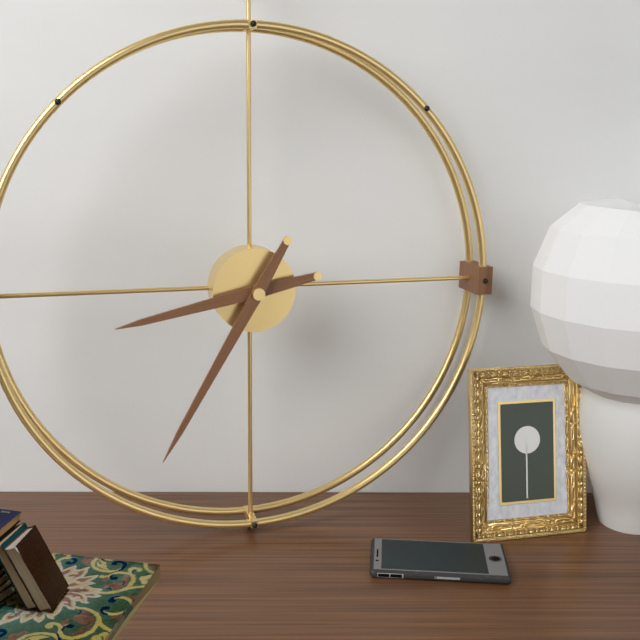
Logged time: **8:35**
